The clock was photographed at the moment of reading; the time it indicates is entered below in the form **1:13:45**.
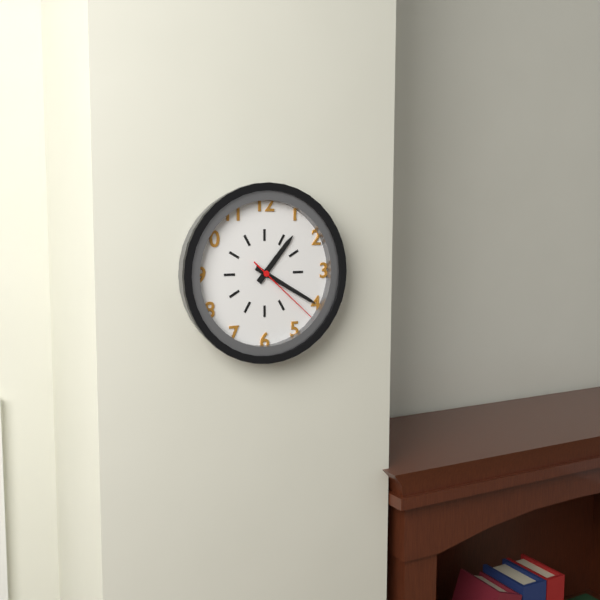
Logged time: **1:20:22**
